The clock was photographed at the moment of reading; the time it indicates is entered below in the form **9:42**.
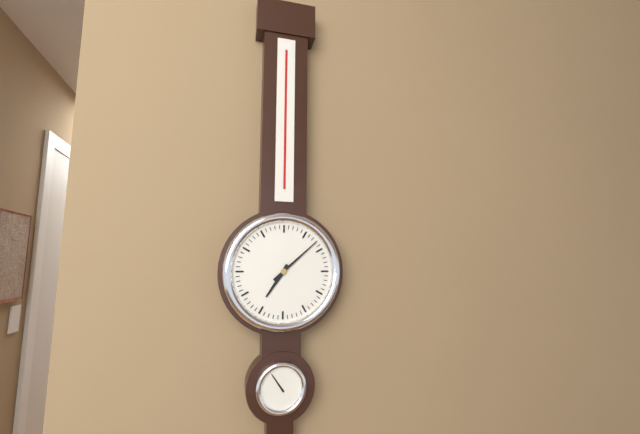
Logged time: **7:08**
